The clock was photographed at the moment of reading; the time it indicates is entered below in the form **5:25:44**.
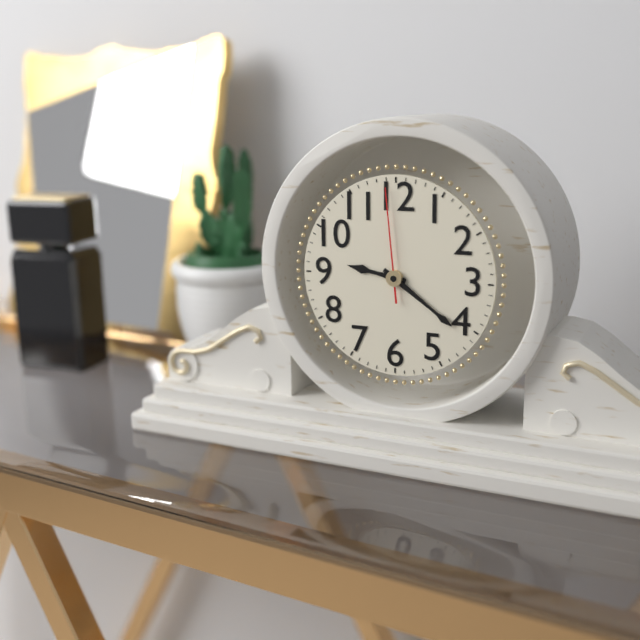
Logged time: **9:21:59**
